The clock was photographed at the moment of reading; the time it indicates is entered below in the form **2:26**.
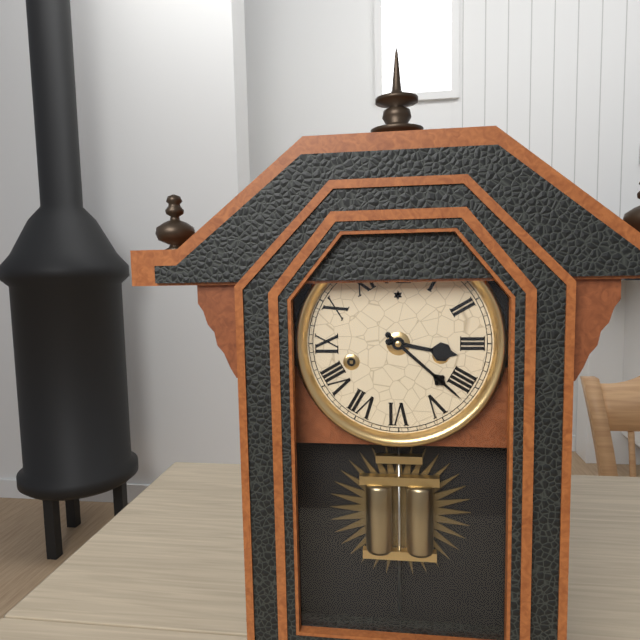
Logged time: **3:22**
